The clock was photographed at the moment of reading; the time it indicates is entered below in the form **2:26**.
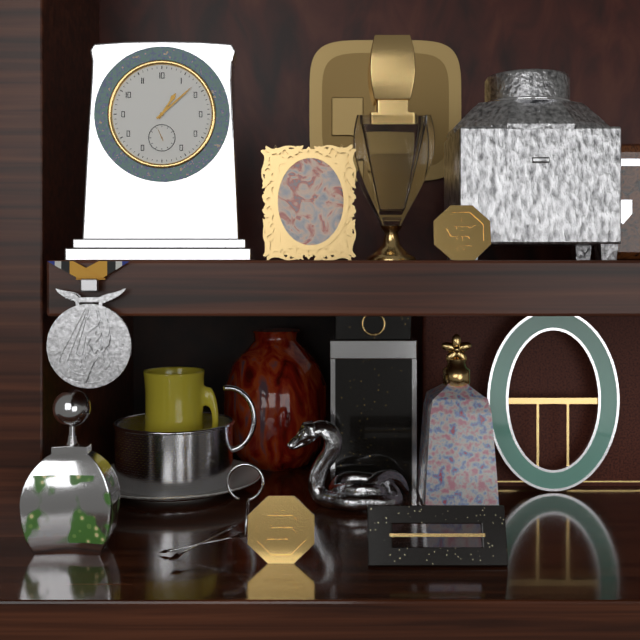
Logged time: **1:08**
